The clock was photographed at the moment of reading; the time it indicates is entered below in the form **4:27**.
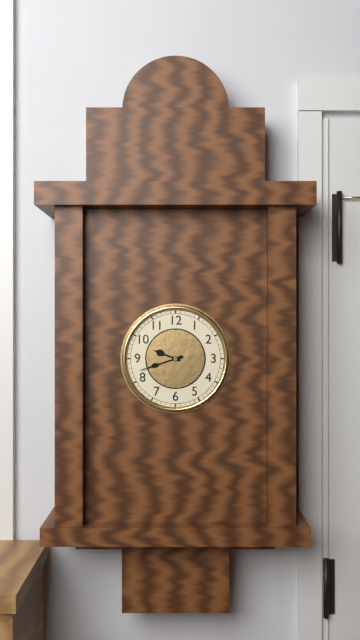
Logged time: **9:42**
